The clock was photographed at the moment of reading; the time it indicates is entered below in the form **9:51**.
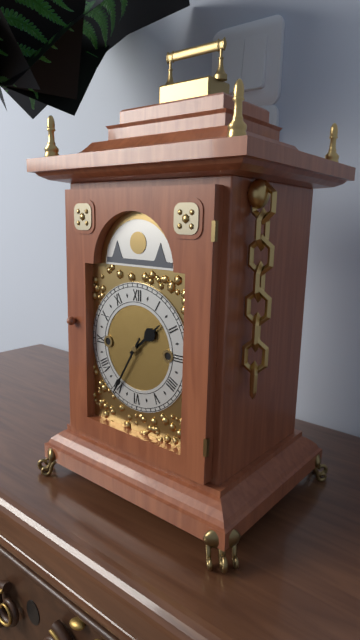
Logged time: **1:35**
